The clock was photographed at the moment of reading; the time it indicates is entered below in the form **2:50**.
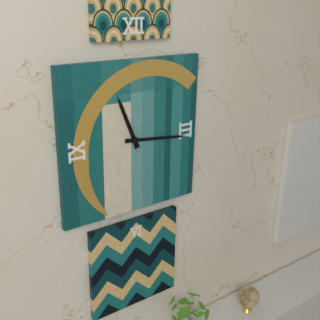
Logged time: **11:16**
